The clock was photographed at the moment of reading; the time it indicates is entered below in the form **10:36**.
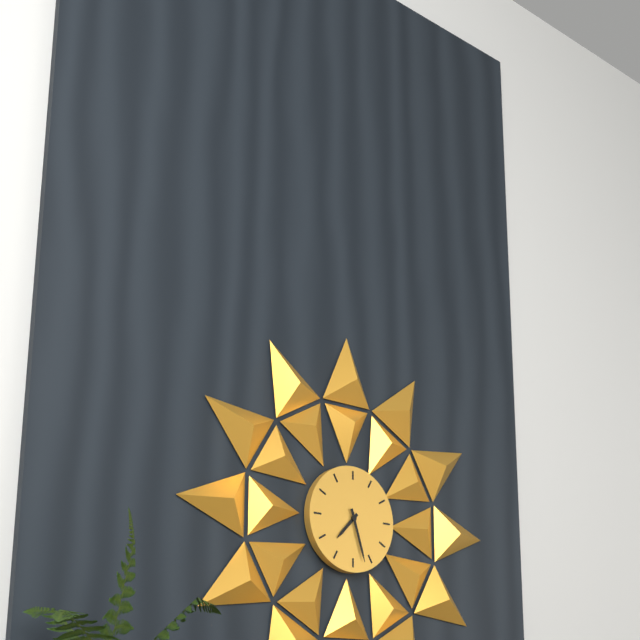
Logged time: **7:27**
